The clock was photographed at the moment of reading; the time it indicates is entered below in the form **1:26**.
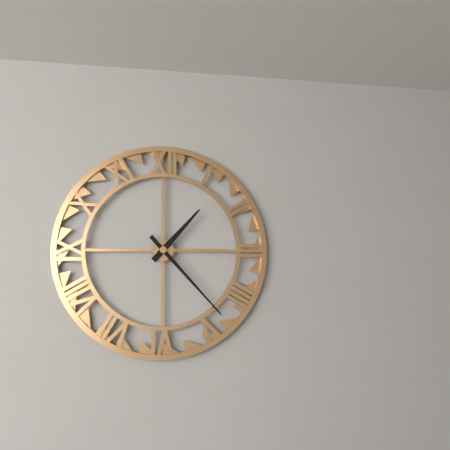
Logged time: **1:23**
